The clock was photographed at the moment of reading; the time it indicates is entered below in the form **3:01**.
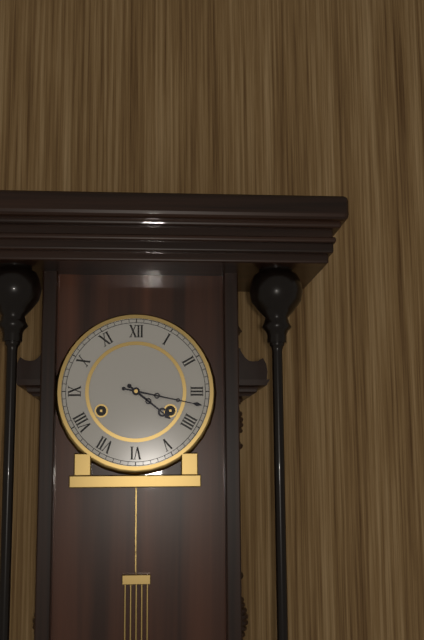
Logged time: **4:17**
